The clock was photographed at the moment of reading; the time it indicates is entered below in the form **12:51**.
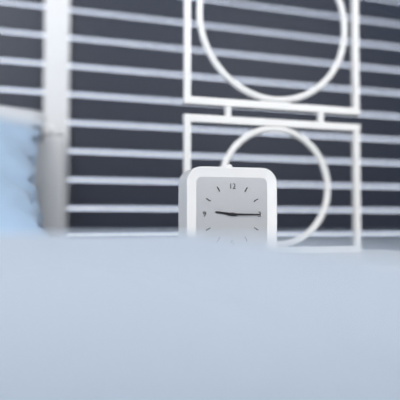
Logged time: **9:15**
